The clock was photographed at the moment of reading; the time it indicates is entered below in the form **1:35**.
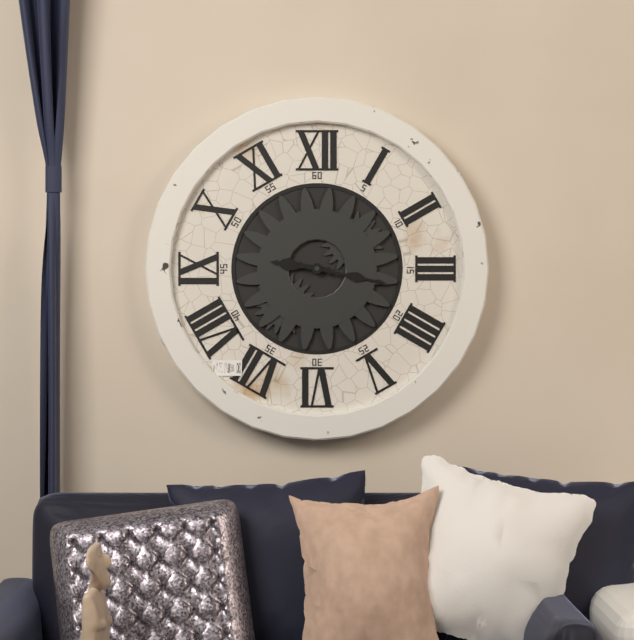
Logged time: **9:17**
